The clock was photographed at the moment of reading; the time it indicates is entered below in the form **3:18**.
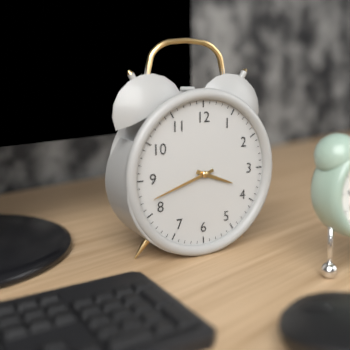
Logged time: **3:42**
